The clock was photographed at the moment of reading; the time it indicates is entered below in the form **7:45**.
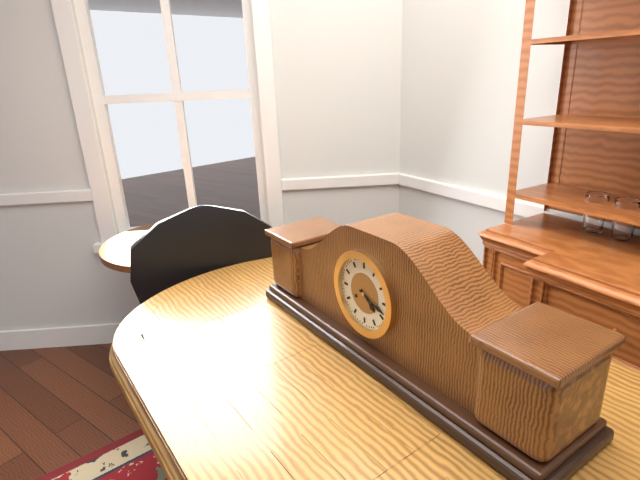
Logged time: **4:18**
